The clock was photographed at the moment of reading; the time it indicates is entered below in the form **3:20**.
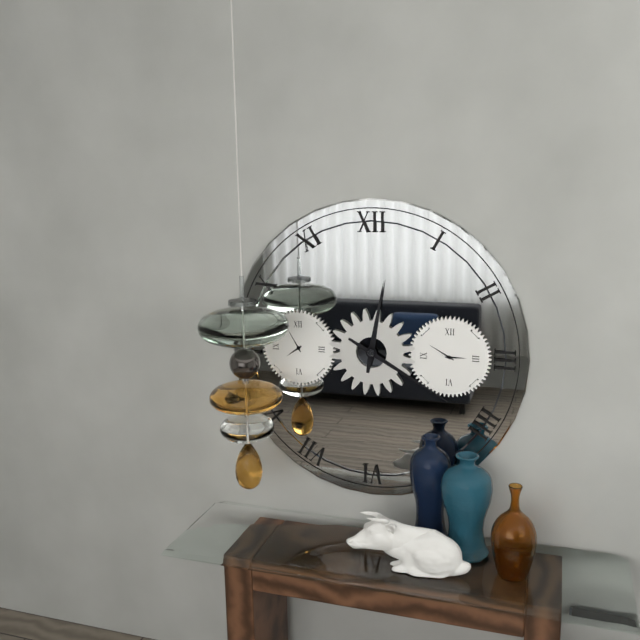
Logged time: **12:20**
